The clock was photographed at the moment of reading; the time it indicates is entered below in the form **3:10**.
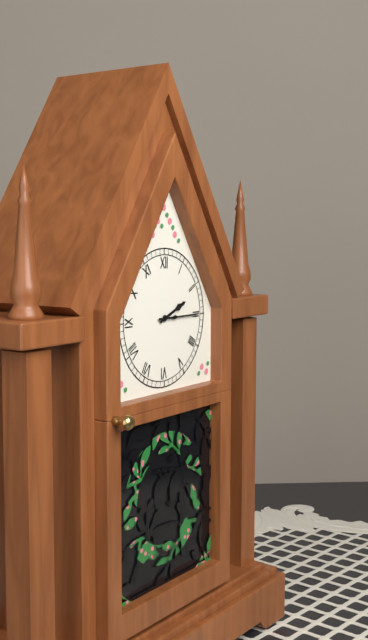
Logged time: **2:15**
